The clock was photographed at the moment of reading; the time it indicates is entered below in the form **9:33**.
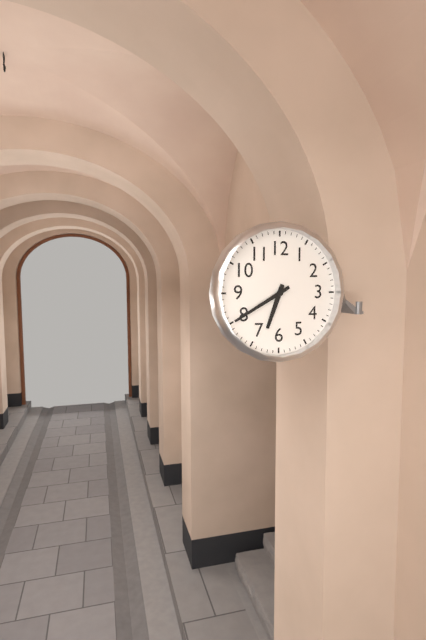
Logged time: **6:40**
